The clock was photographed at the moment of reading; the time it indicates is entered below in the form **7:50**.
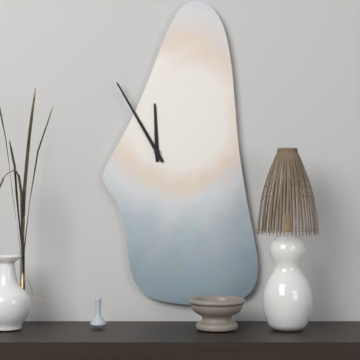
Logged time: **11:55**
